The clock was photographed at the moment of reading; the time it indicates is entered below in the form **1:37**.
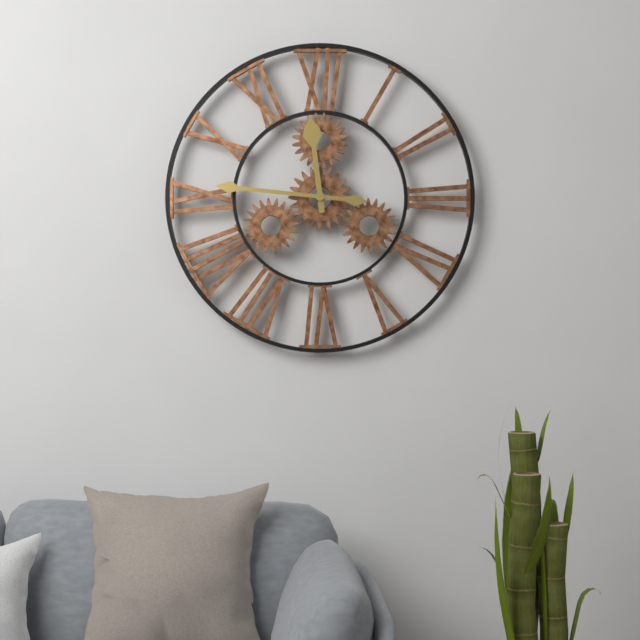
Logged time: **11:46**
